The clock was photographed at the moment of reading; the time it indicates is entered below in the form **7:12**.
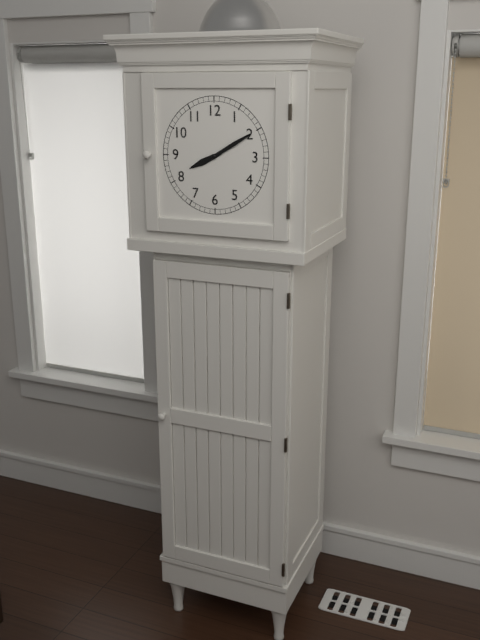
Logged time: **8:10**
